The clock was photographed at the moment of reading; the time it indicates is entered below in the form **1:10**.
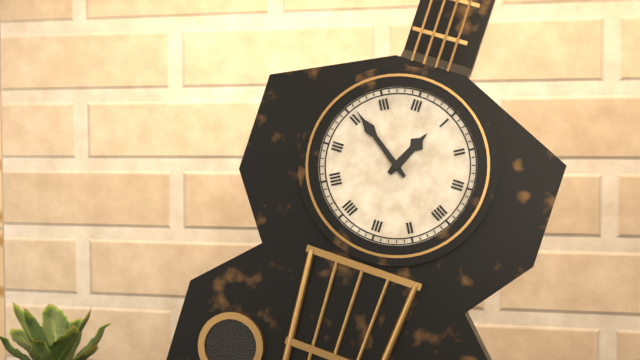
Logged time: **12:51**
